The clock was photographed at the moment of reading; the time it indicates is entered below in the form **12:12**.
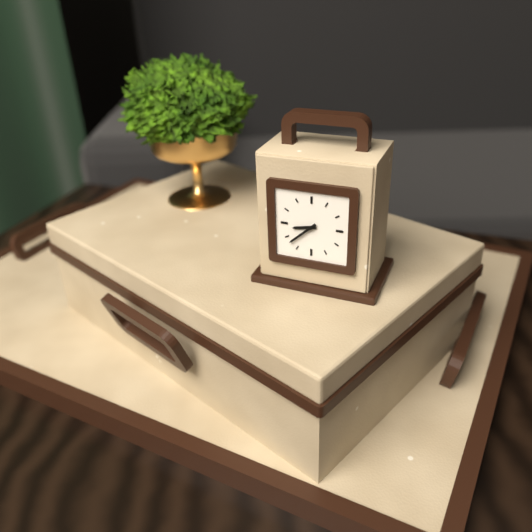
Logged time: **8:38**
